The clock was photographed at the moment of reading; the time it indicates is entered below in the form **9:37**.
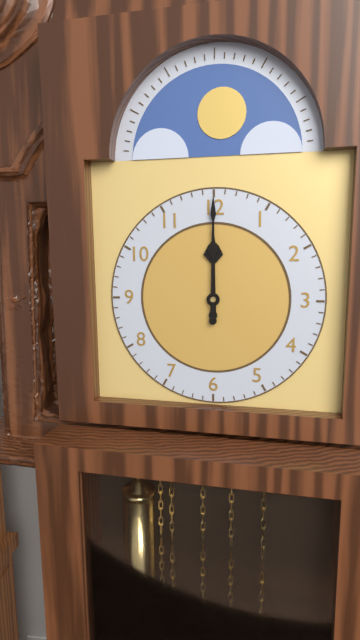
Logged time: **12:00**
